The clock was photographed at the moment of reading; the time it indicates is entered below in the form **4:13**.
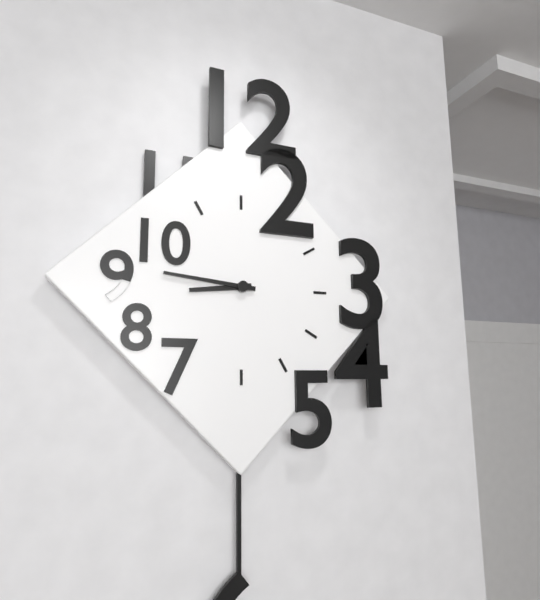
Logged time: **8:46**
